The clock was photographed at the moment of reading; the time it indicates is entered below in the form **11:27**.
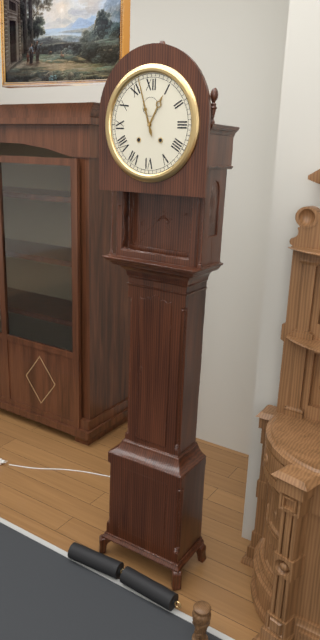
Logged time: **12:57**
